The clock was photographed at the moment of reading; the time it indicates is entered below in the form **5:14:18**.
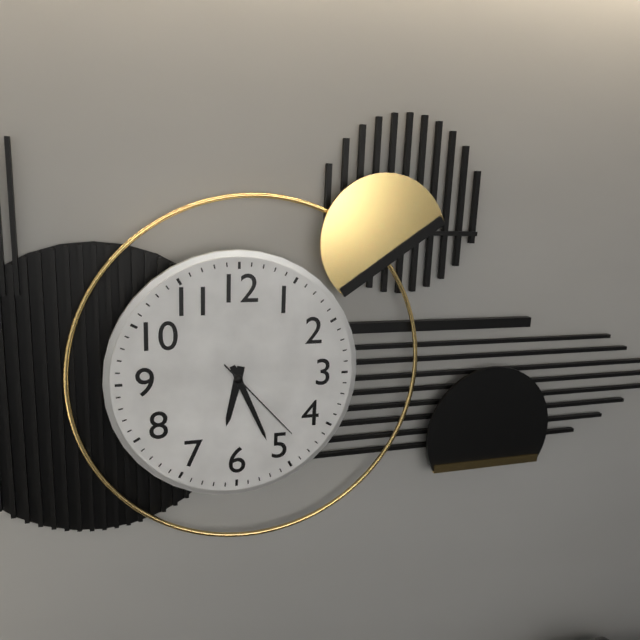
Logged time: **6:26:23**
